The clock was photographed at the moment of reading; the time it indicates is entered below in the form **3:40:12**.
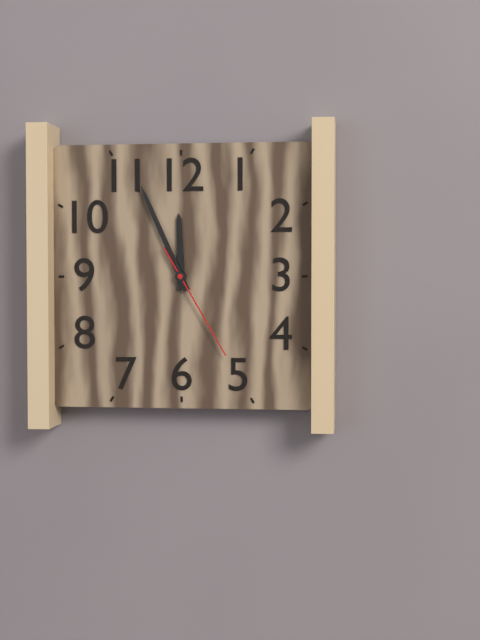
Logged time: **11:56:25**
